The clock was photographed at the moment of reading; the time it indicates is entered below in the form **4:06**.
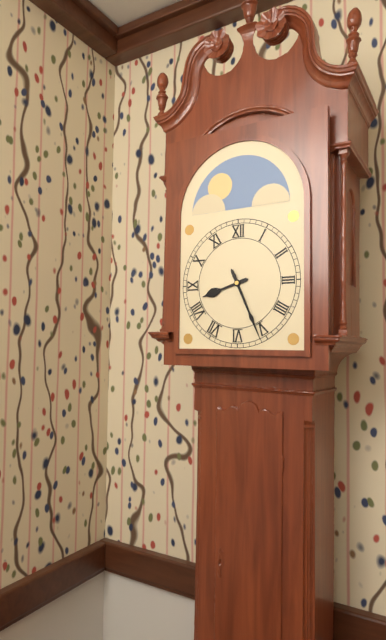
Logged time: **8:26**
